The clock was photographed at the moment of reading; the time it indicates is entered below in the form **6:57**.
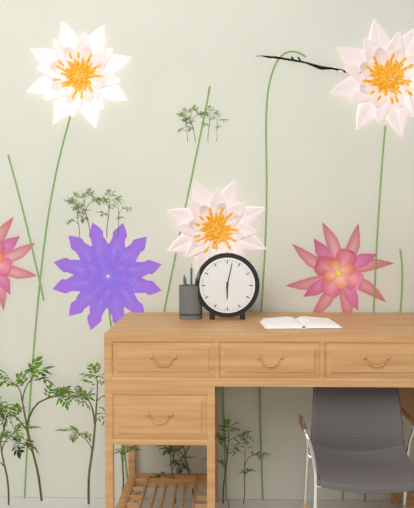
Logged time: **6:02**
